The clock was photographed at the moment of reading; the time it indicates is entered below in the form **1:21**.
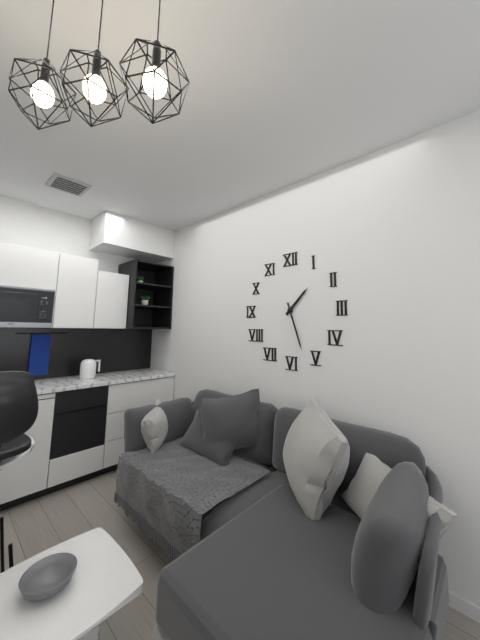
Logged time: **1:27**
